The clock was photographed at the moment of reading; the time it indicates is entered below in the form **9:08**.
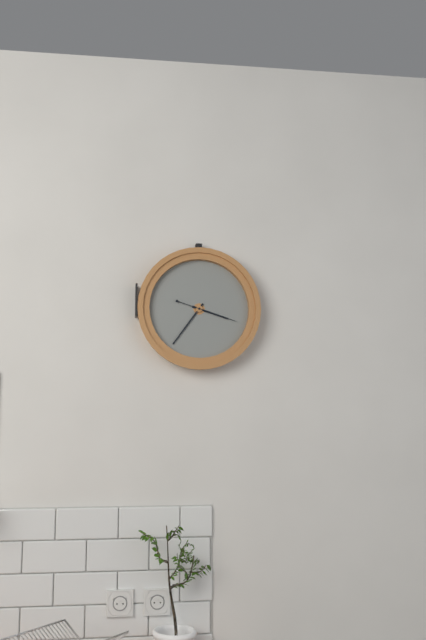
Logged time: **3:36**
